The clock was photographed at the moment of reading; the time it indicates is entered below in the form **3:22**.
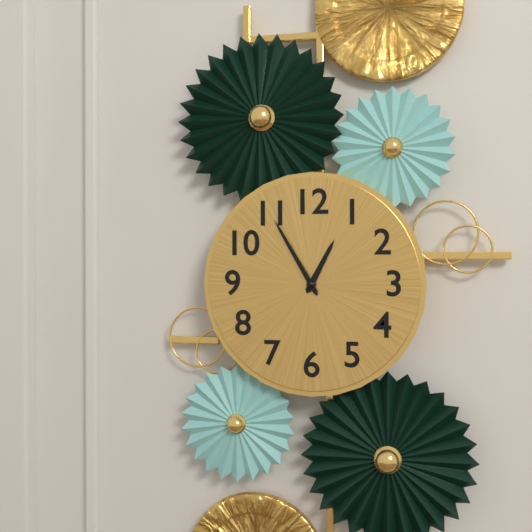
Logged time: **12:55**
